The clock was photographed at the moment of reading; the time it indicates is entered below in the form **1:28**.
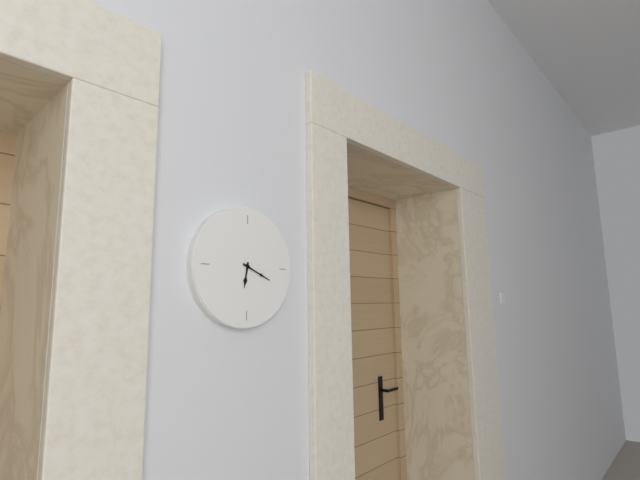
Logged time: **6:19**
